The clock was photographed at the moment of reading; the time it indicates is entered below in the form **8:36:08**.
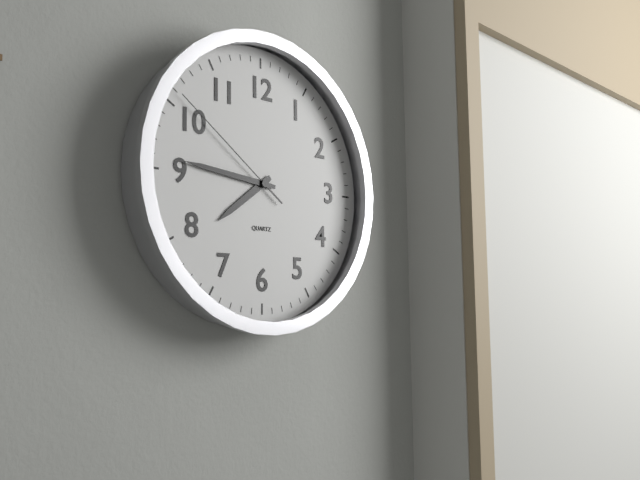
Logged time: **7:46:51**
